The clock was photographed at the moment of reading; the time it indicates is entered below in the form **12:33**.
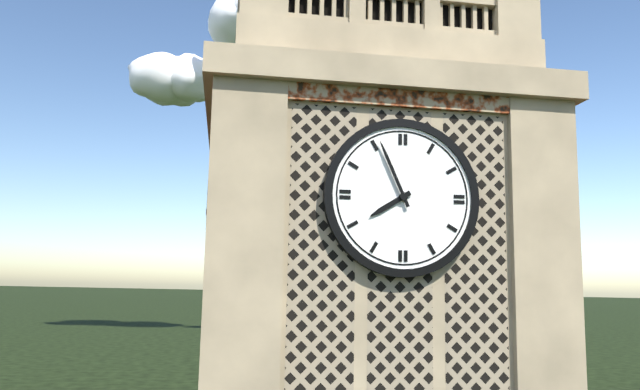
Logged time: **7:56**
